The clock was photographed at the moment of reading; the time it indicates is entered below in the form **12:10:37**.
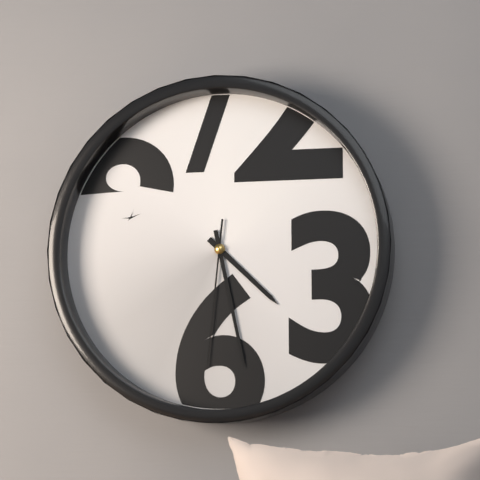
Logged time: **4:28:31**
